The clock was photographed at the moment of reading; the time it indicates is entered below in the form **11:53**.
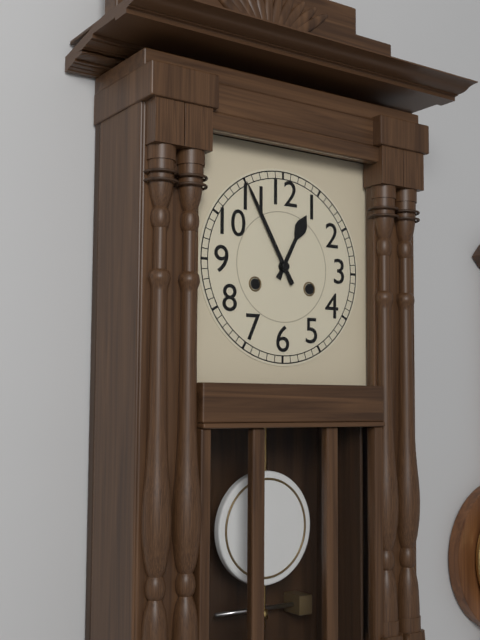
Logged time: **12:55**
